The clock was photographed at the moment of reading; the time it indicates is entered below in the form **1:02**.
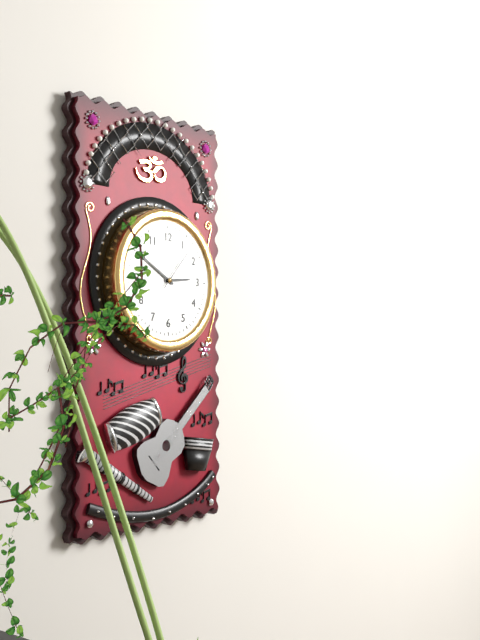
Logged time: **2:50**
